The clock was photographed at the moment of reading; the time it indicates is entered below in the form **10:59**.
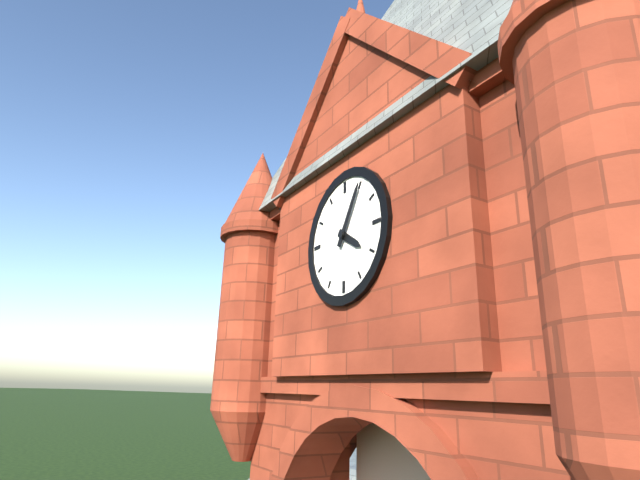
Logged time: **4:05**
